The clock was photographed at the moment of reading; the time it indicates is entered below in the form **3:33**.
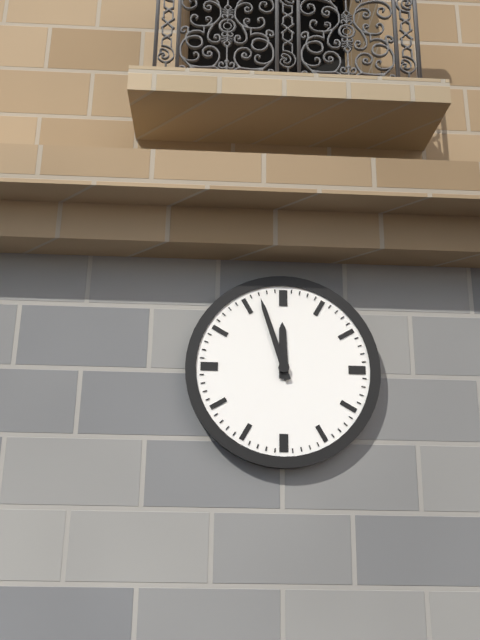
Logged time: **11:57**
